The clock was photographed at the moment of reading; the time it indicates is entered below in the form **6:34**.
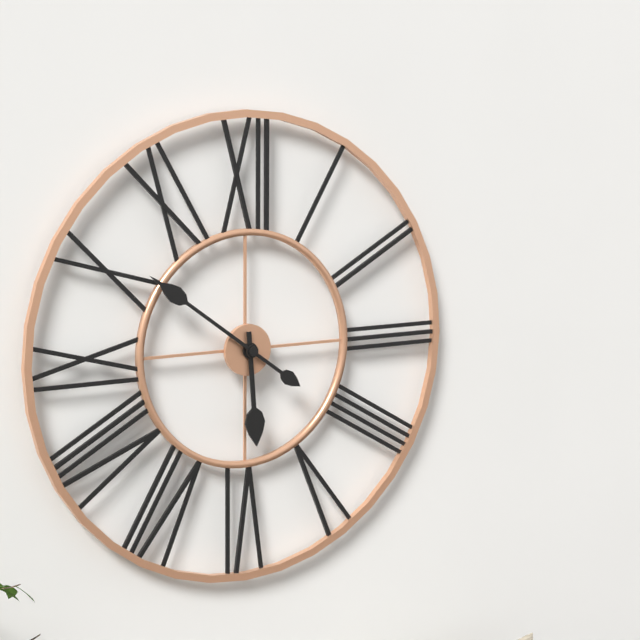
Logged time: **5:51**
